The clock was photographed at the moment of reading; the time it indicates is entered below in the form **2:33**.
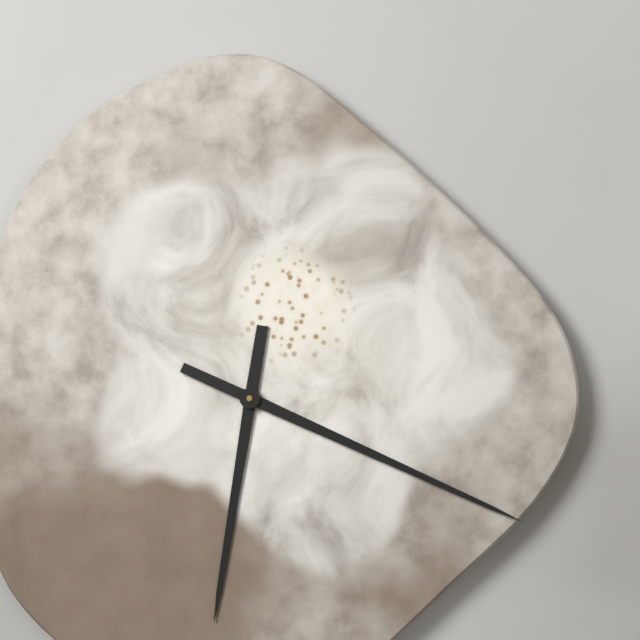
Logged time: **6:19**
